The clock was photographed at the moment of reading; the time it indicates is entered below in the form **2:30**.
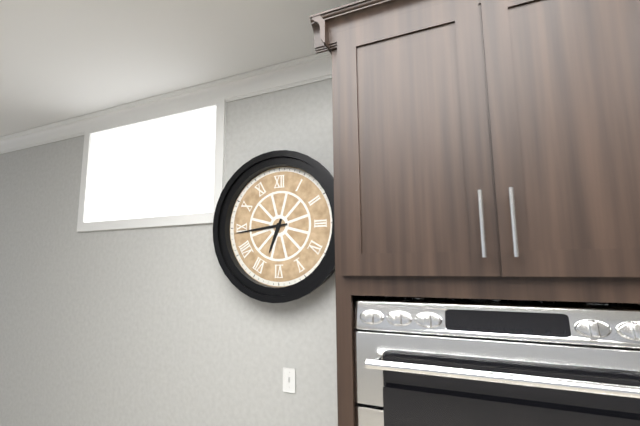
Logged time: **6:44**
